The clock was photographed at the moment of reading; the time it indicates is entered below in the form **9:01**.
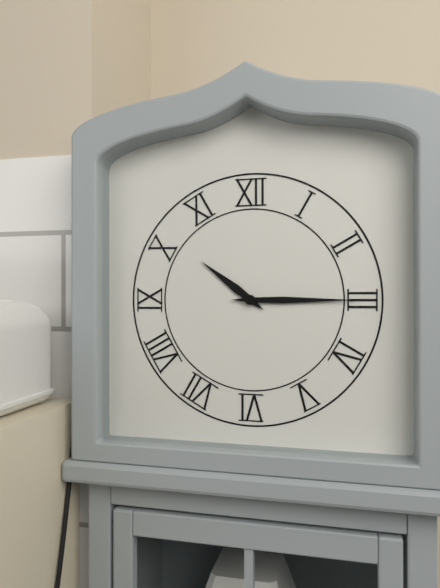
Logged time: **10:15**
